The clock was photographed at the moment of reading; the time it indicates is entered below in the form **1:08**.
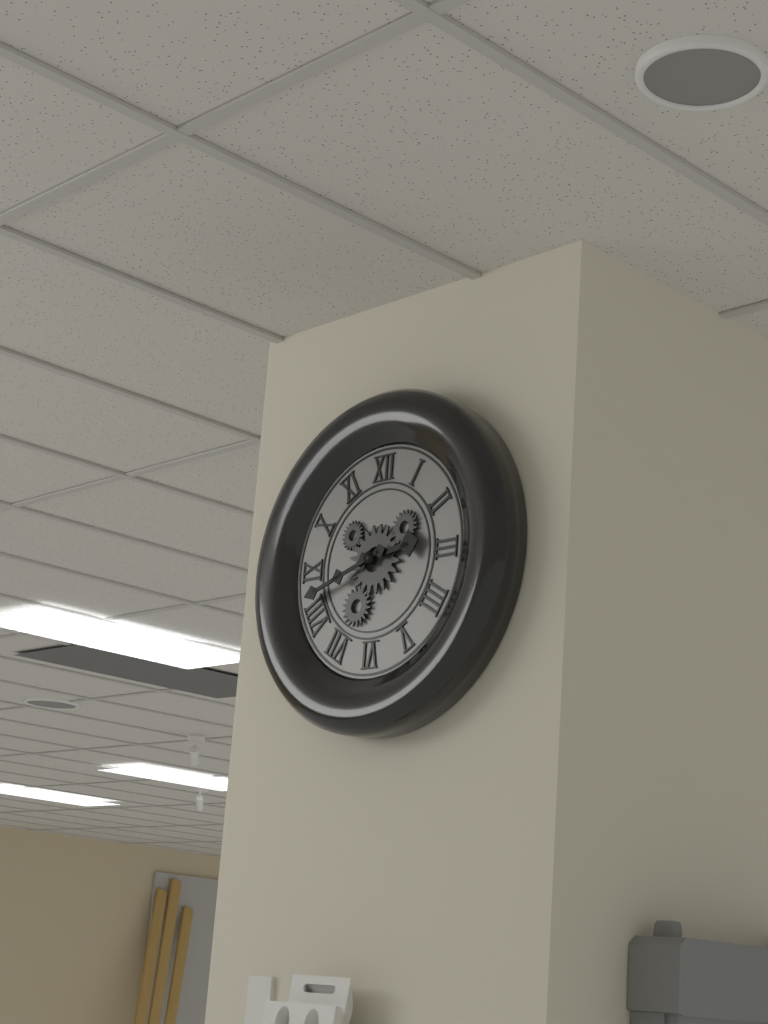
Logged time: **2:42**
